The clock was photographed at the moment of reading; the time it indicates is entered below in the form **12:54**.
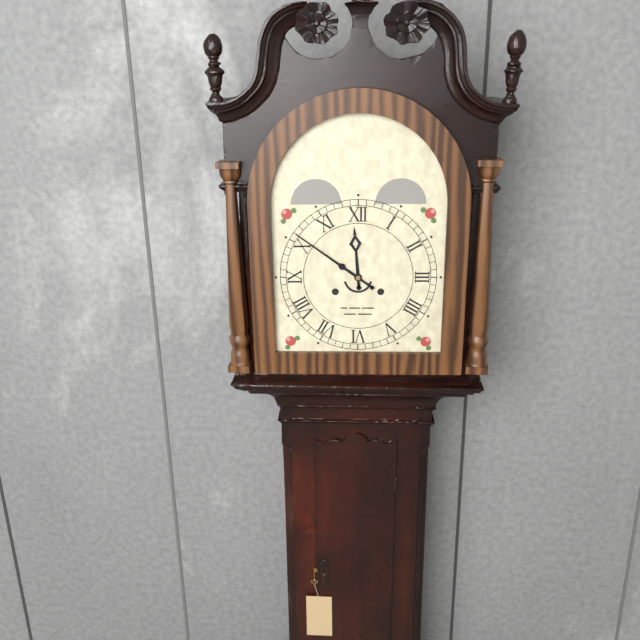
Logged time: **11:51**
